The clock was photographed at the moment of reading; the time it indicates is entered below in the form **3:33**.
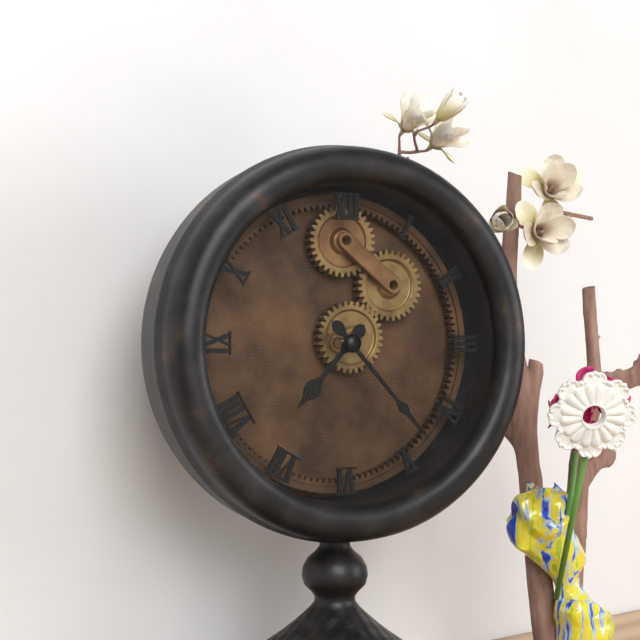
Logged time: **7:23**
